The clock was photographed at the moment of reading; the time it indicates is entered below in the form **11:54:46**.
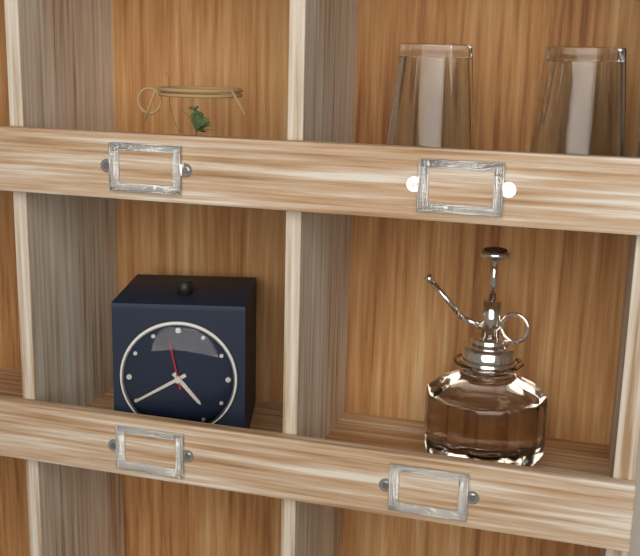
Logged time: **4:40:58**
